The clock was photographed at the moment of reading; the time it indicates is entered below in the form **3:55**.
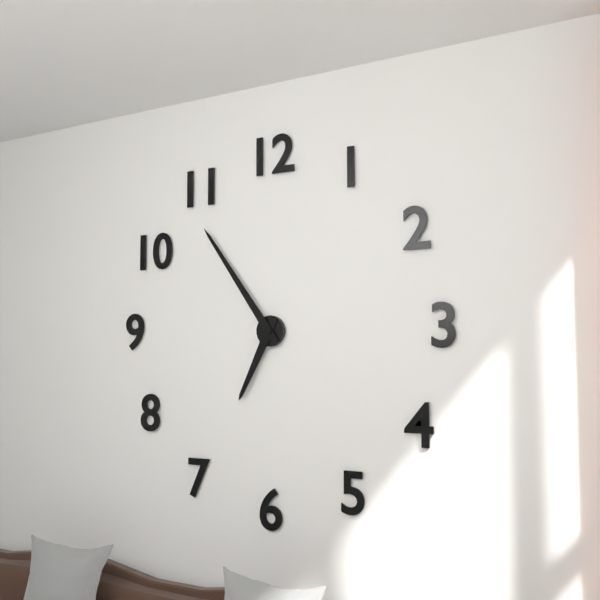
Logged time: **6:54**
